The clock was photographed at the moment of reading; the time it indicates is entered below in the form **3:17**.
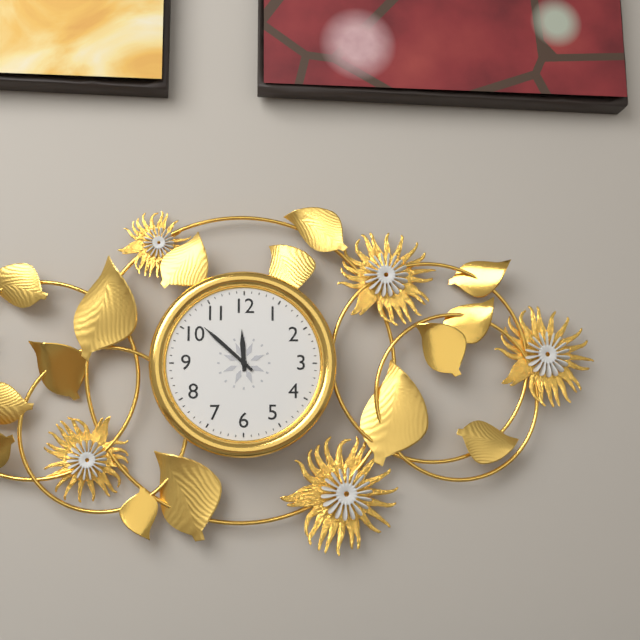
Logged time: **11:52**
